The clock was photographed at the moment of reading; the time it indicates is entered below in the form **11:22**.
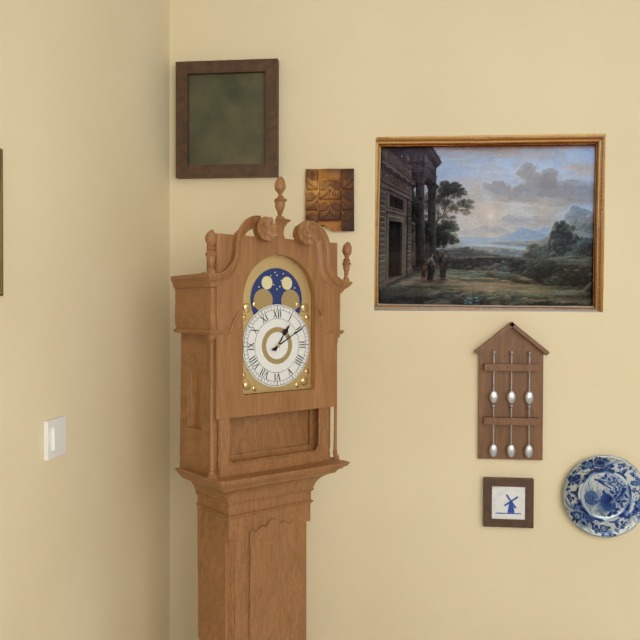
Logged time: **1:10**
